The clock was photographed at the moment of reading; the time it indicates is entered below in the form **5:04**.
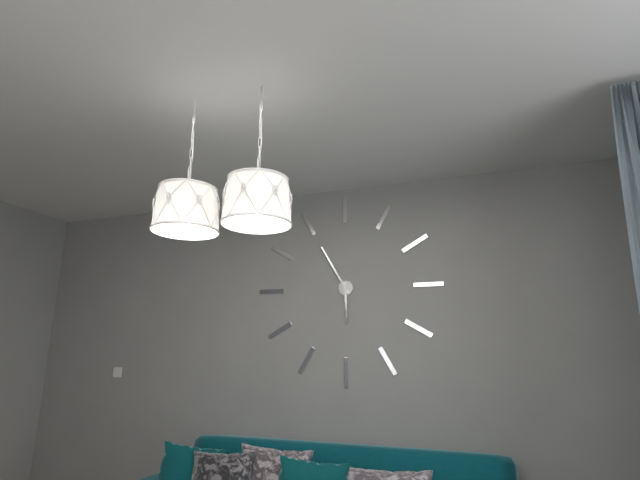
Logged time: **5:55**
